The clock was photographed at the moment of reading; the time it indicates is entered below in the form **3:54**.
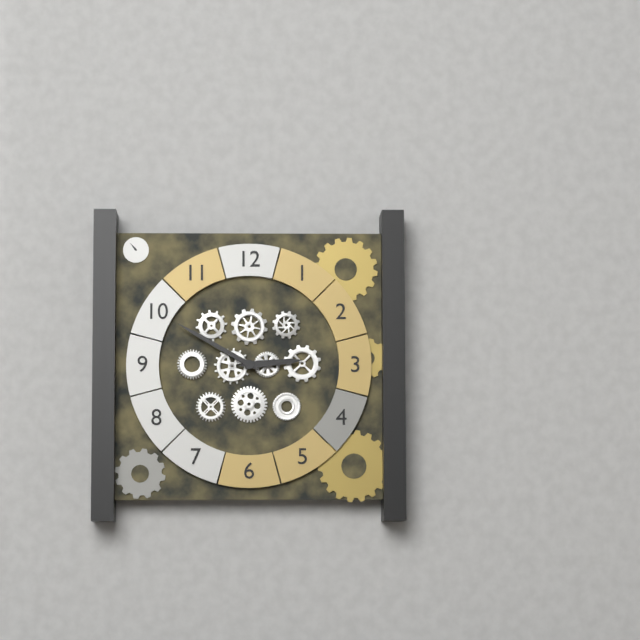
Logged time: **2:50**
